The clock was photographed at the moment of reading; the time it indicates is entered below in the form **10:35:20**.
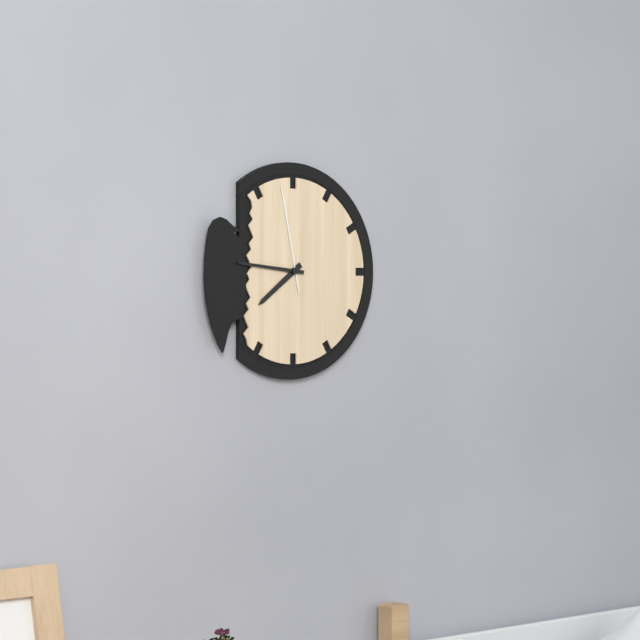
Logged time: **7:46:58**
